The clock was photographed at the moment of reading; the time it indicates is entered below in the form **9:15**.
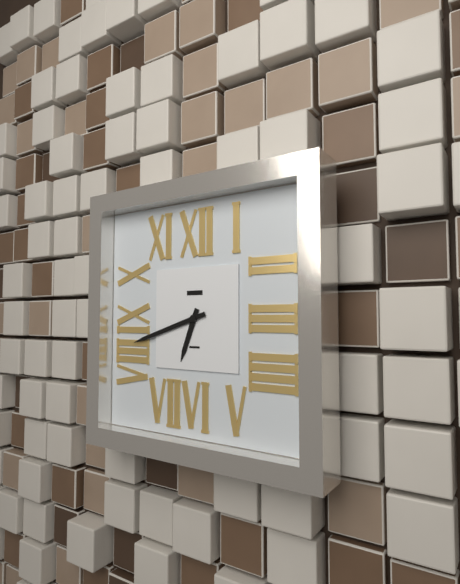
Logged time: **6:42**
